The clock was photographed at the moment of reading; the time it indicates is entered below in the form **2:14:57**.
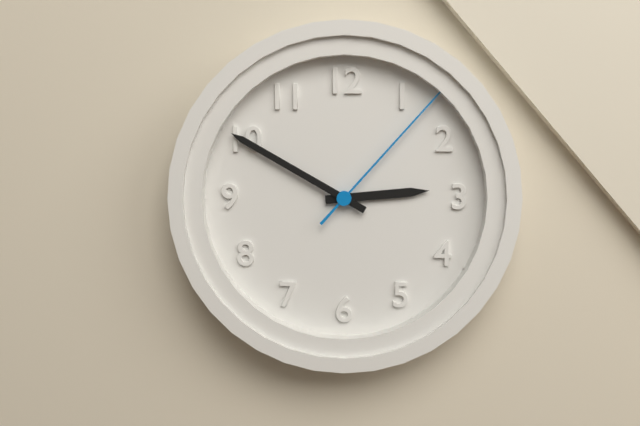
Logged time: **2:50:07**
